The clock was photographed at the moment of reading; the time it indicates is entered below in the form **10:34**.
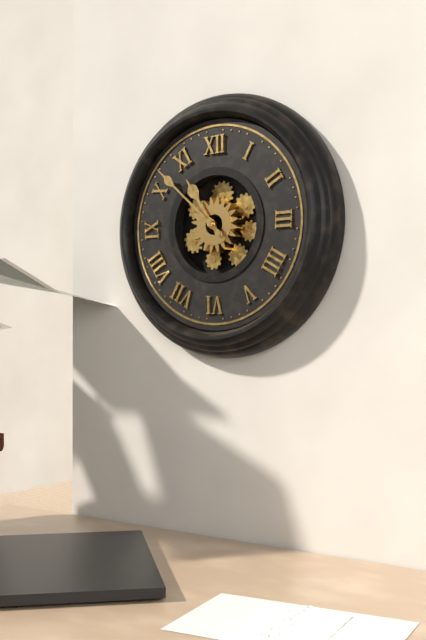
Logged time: **10:52**
